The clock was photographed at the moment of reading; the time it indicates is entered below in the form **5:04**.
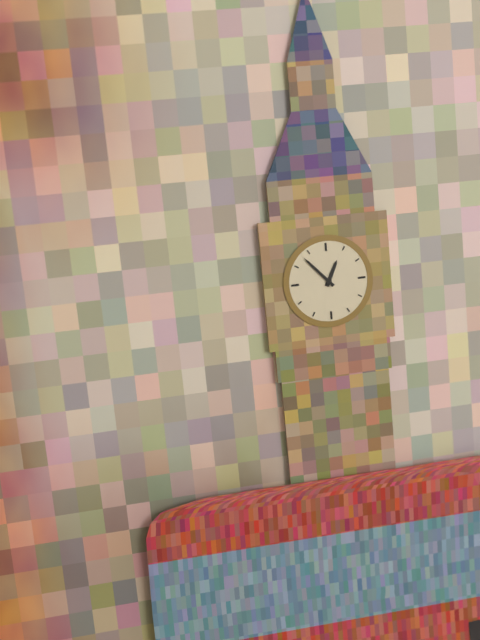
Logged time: **12:53**
